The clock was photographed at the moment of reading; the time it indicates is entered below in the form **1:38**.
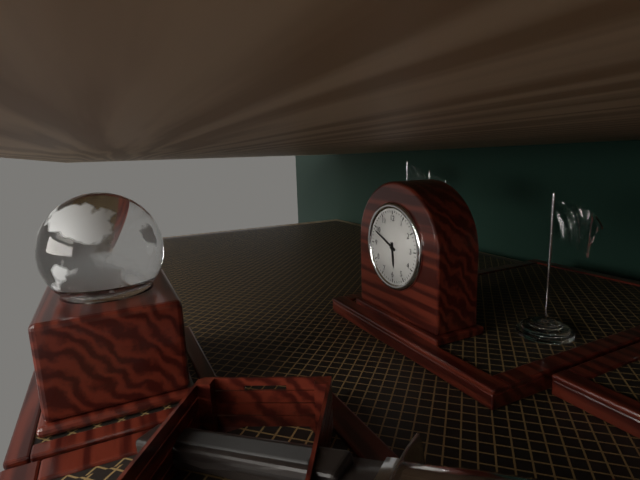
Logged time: **5:49**
